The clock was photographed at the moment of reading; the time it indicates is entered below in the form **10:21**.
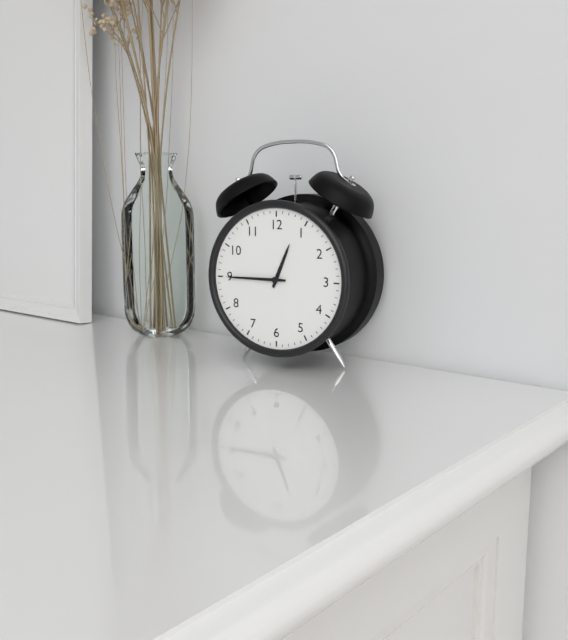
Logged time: **12:45**
